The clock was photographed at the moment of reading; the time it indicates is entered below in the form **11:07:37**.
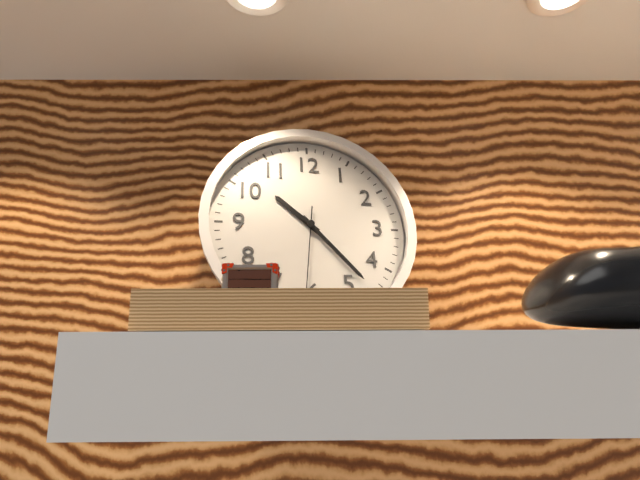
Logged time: **10:23:31**
